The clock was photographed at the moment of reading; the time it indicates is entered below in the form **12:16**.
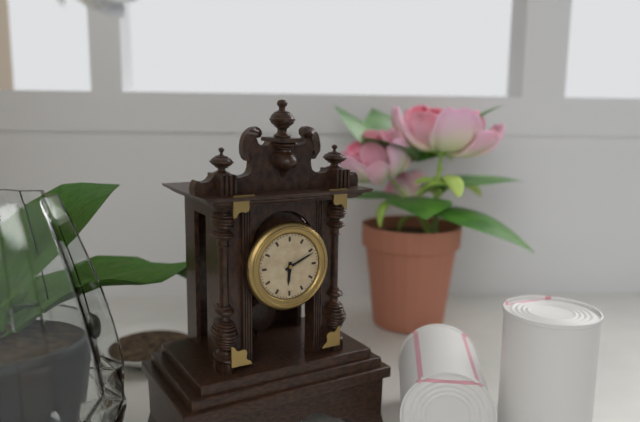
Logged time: **6:11**
